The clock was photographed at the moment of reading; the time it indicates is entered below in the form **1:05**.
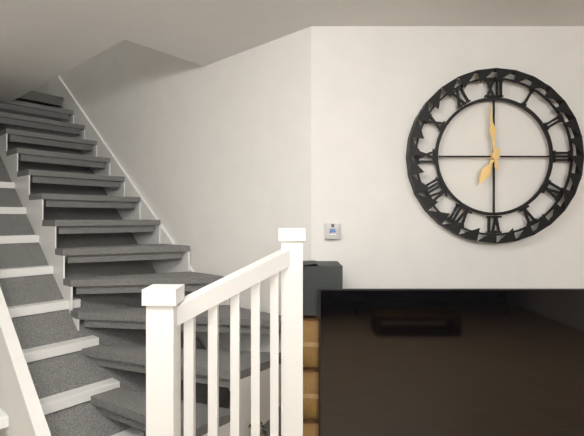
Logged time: **6:59**
